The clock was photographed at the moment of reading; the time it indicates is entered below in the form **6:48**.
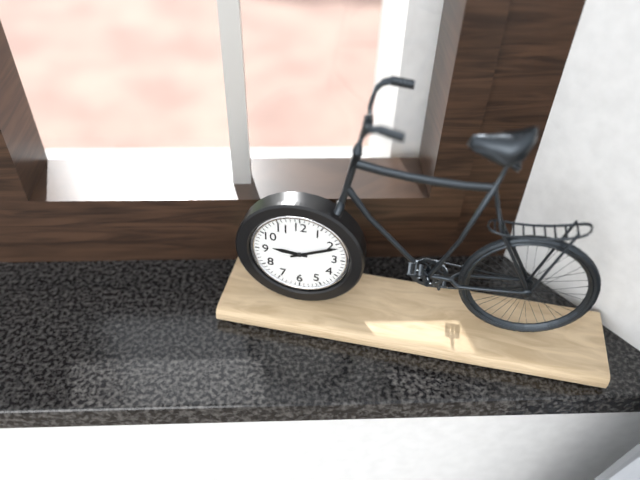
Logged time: **9:11**
